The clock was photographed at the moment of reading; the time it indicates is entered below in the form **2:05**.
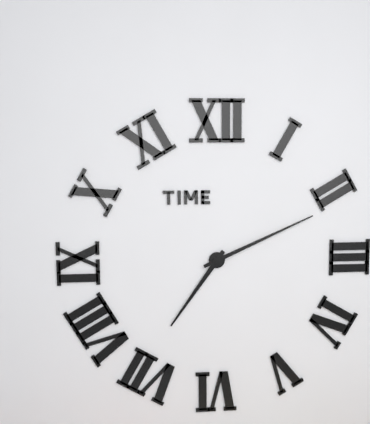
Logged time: **7:11**
